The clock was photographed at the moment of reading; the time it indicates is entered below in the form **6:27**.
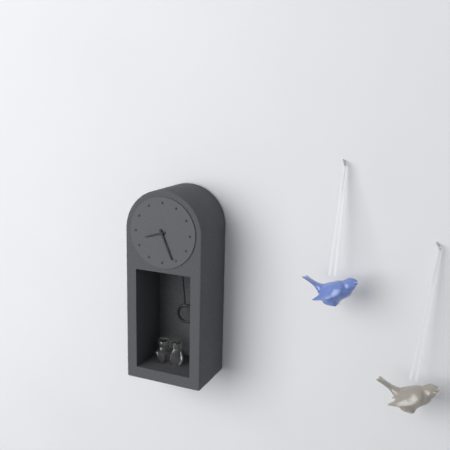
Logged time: **8:26**
